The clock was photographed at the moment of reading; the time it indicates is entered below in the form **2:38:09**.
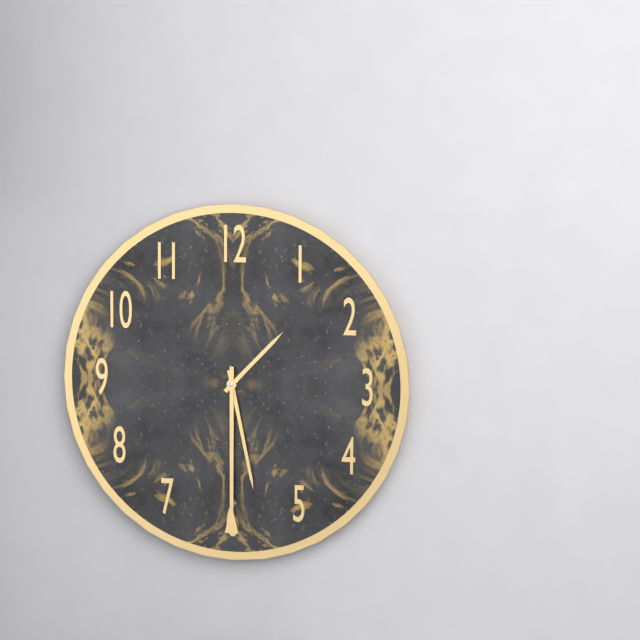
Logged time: **1:28:30**
